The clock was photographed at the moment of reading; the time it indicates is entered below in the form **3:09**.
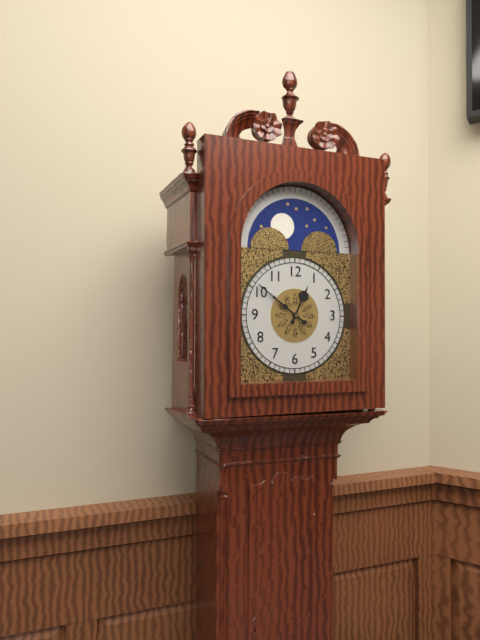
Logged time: **12:51**
